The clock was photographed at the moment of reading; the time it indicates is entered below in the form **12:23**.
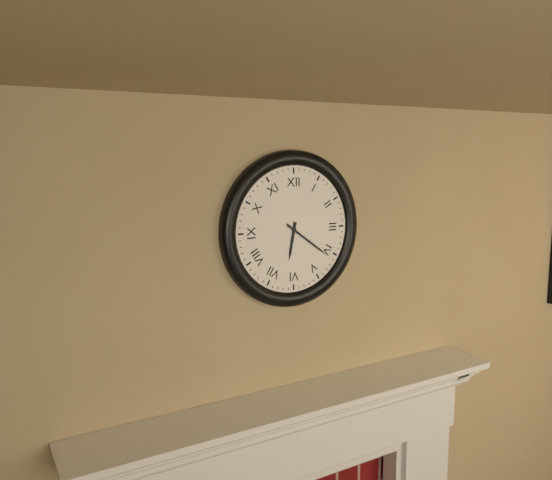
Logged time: **6:21**
